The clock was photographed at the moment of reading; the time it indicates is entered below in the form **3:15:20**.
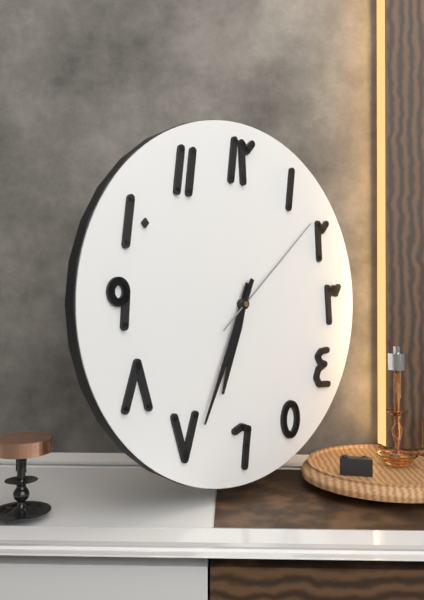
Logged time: **6:34:08**
